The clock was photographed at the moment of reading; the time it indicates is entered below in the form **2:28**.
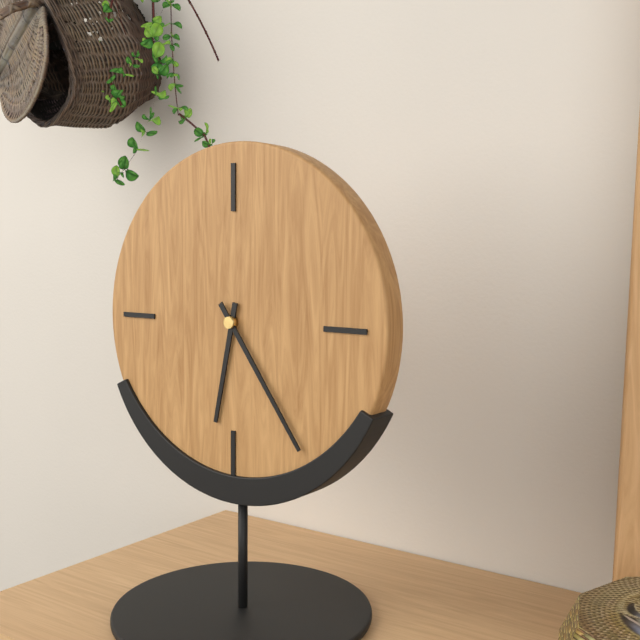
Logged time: **6:24**
